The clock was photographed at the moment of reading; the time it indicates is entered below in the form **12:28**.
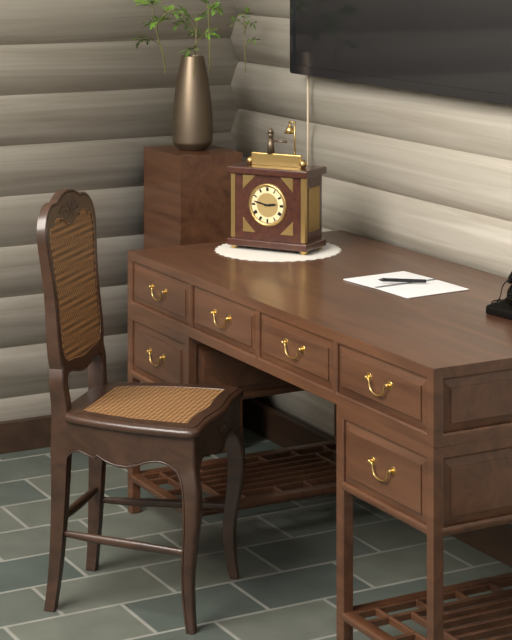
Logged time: **2:47**
